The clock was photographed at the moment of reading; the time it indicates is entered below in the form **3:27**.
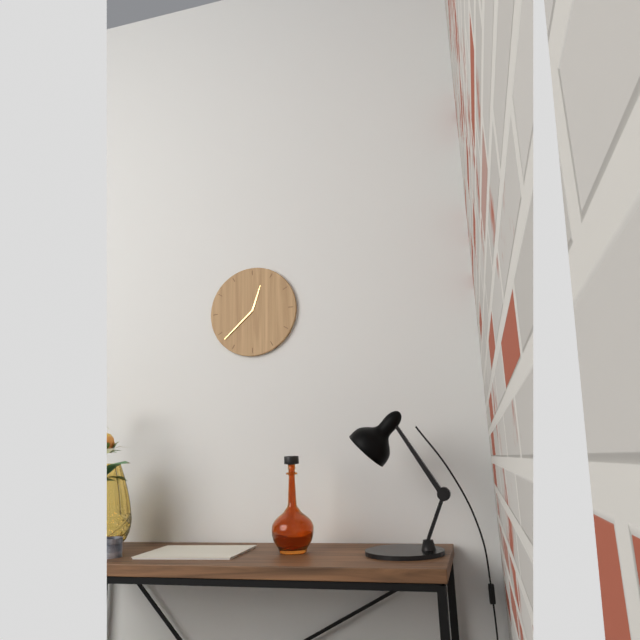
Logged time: **12:38**
